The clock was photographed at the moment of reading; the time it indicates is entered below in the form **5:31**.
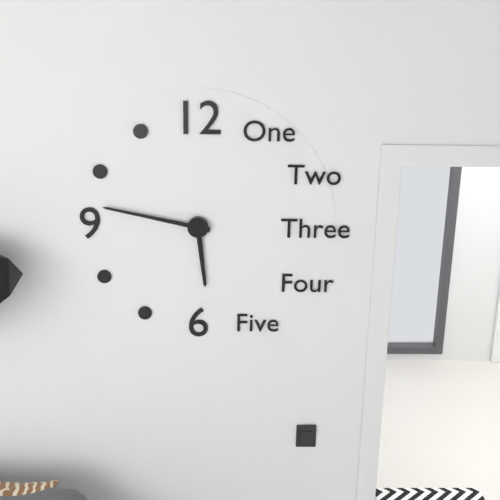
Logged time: **5:47**
